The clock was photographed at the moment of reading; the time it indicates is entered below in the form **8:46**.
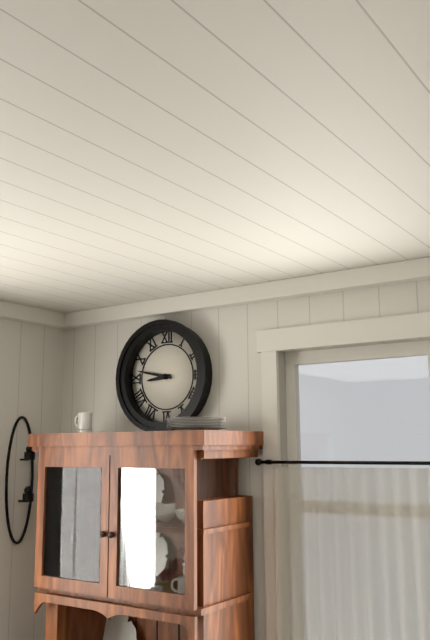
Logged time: **8:47**
